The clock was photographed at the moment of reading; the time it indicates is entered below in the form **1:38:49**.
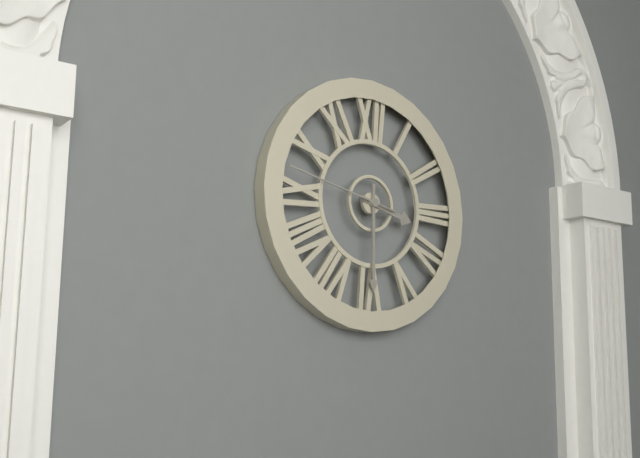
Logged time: **3:30:47**
